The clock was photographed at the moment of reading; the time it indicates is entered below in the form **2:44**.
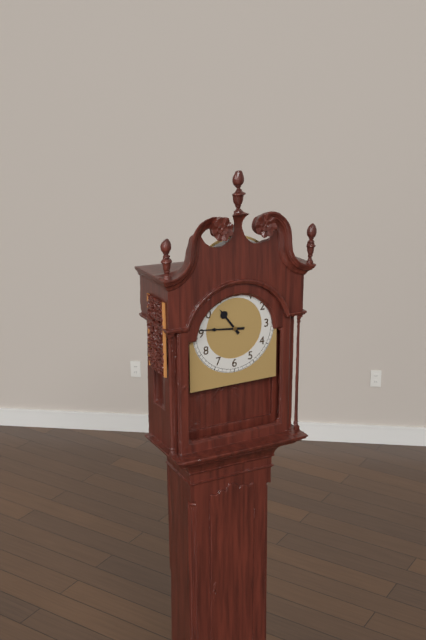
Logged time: **10:46**
